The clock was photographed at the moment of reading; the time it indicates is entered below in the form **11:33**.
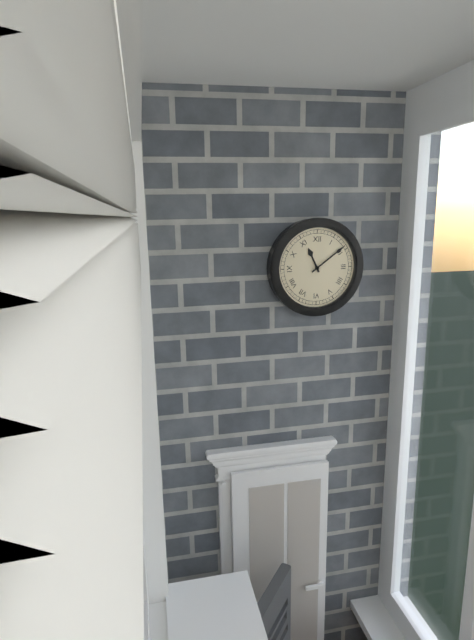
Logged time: **11:09**
